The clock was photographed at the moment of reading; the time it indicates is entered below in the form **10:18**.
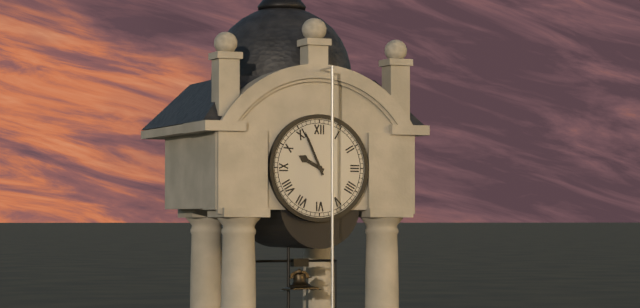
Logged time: **9:56**
